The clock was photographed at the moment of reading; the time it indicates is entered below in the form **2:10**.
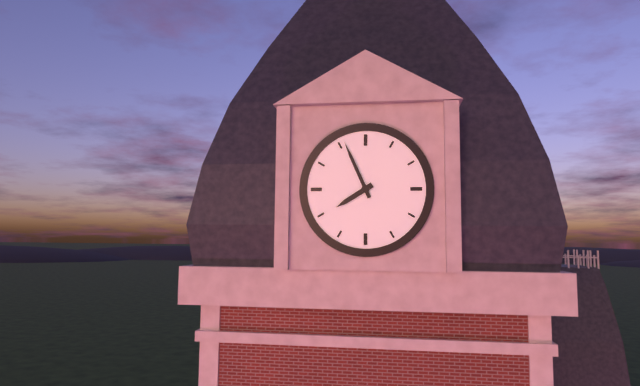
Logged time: **7:56**
